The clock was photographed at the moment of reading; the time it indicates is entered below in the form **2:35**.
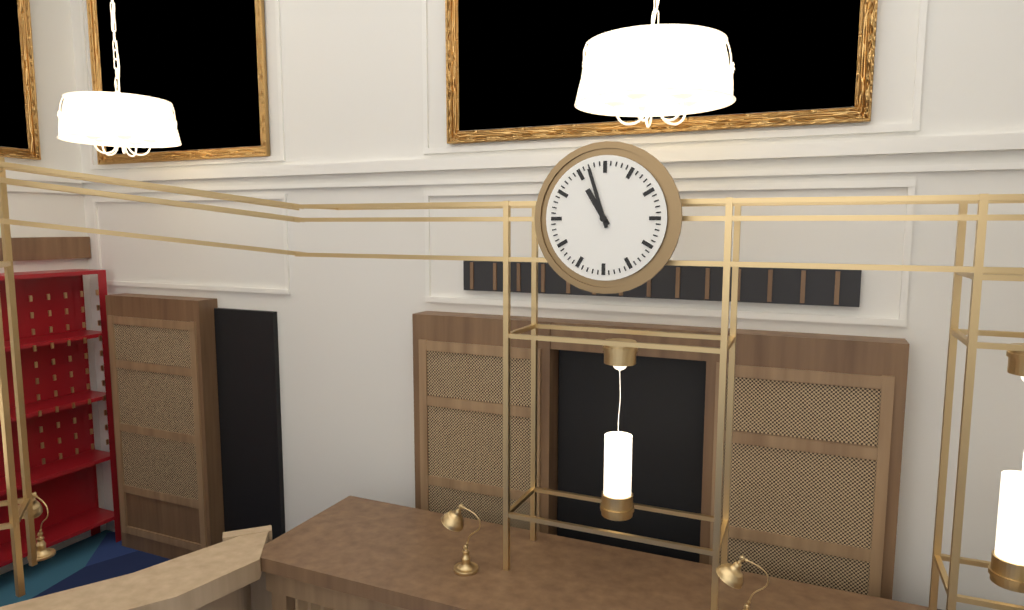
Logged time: **10:57**
